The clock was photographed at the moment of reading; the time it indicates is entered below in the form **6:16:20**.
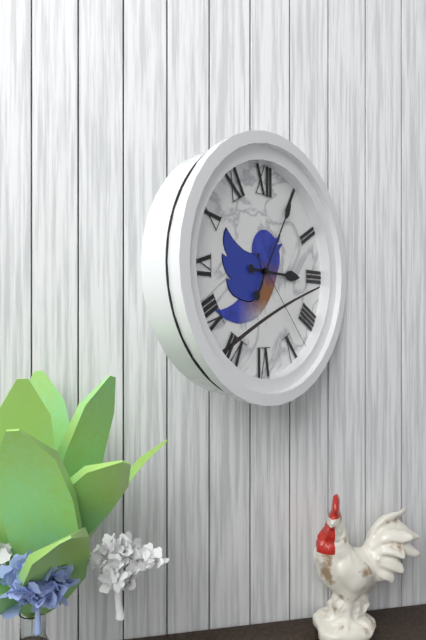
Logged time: **3:05:23**
